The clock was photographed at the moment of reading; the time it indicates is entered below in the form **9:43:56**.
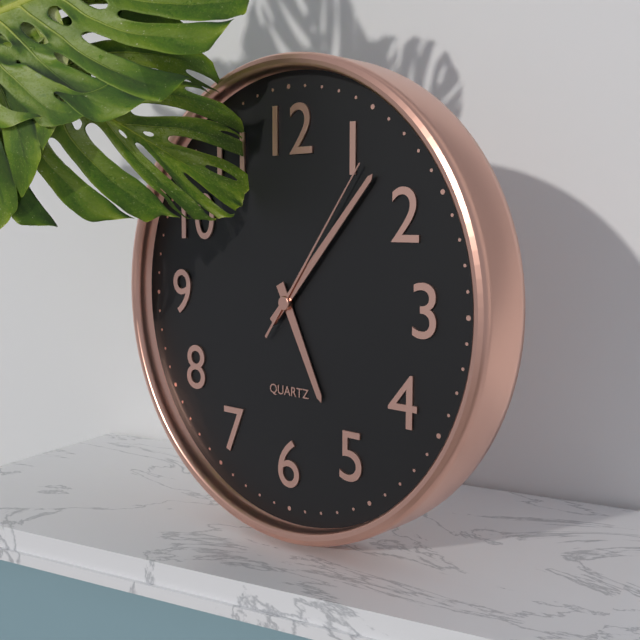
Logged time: **5:07:06**
